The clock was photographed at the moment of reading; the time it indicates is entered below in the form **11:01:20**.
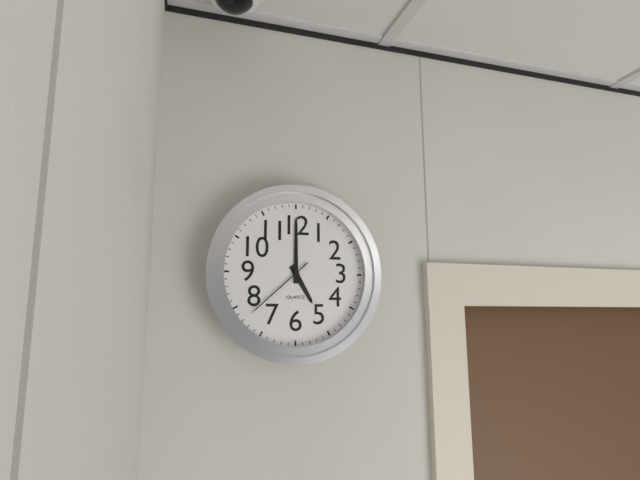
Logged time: **5:00:38**
